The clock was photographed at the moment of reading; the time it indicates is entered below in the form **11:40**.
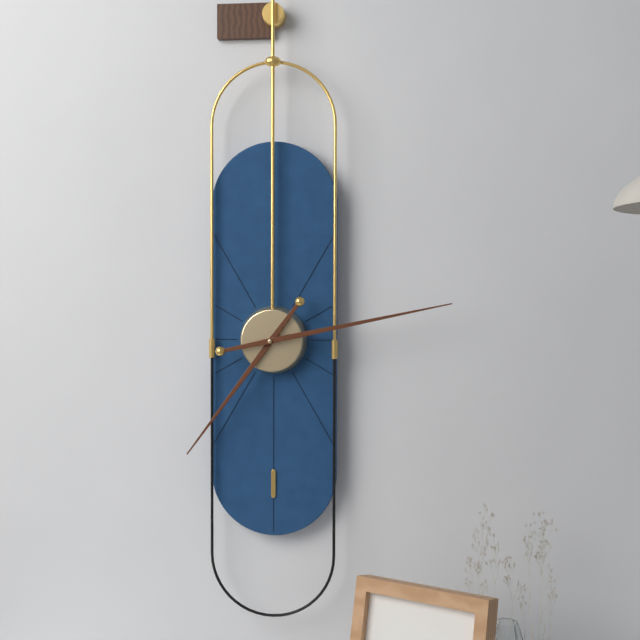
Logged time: **7:13**
